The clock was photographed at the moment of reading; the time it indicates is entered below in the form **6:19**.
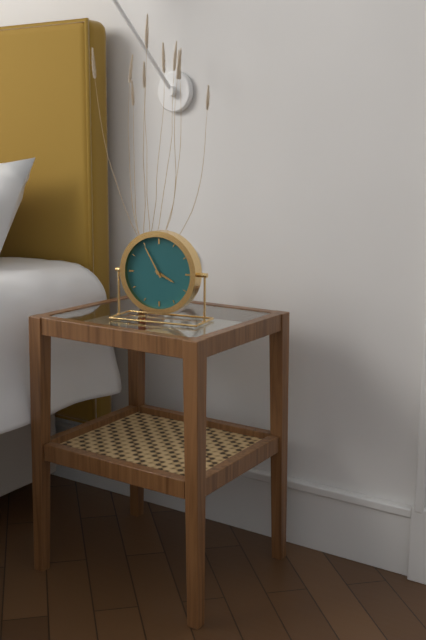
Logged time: **3:55**
